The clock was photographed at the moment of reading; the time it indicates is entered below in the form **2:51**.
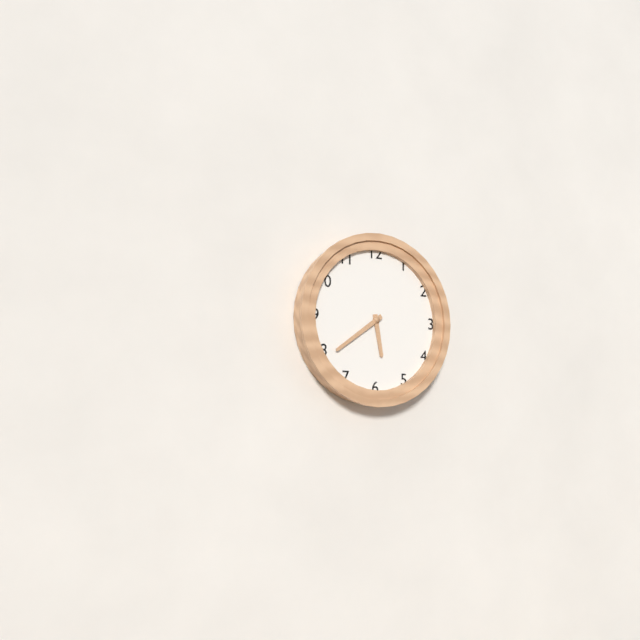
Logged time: **5:39**
